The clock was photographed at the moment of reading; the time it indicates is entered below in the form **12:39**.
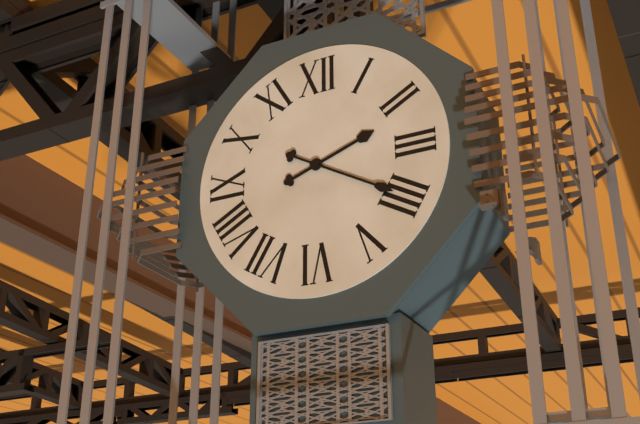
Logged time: **2:20**
